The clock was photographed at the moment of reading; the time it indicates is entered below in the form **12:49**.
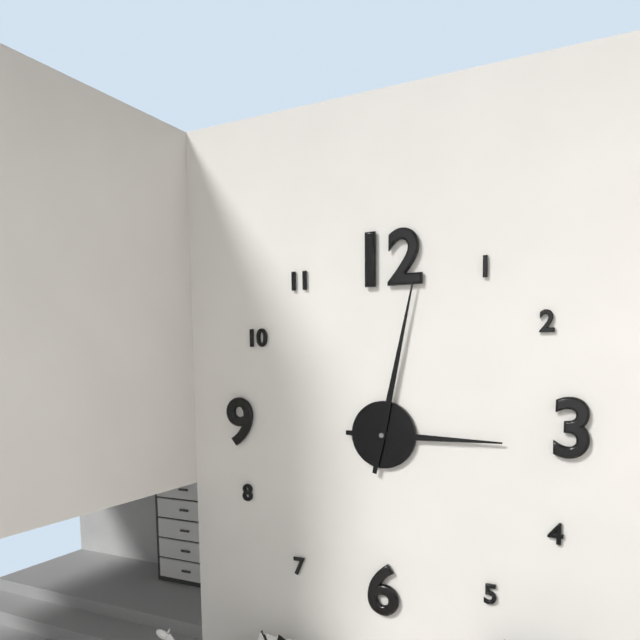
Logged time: **3:02**
